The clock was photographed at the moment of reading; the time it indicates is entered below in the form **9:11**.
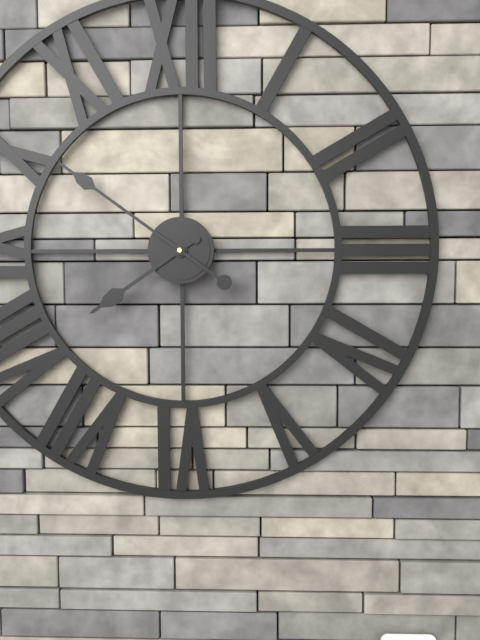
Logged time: **7:51**
